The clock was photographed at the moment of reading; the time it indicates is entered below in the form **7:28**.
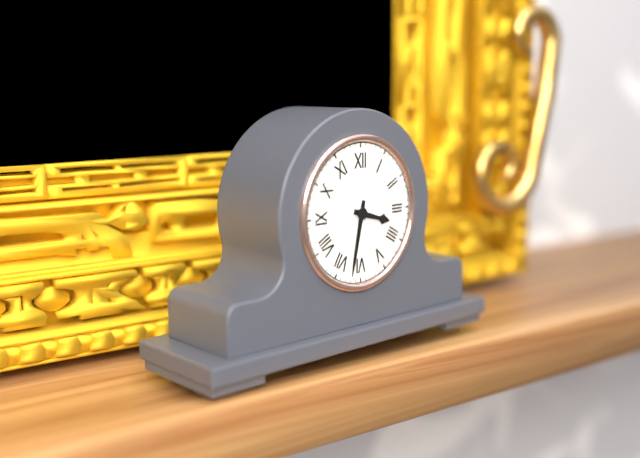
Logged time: **3:32**
